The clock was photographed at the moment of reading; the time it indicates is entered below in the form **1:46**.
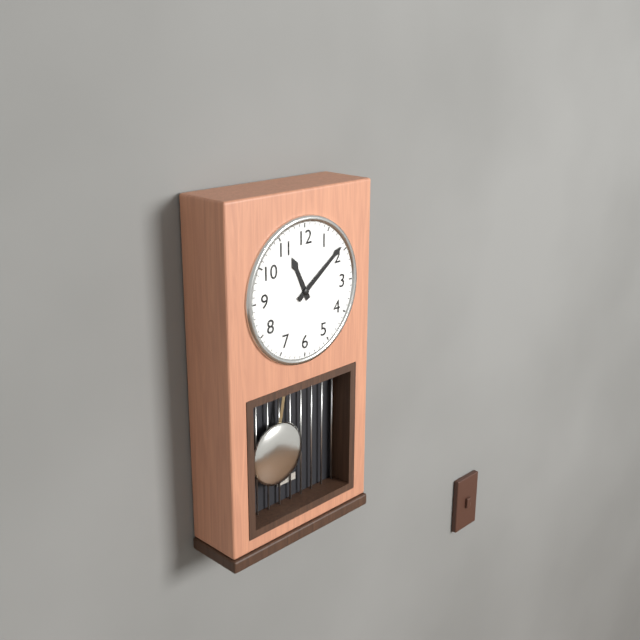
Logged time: **11:09**
